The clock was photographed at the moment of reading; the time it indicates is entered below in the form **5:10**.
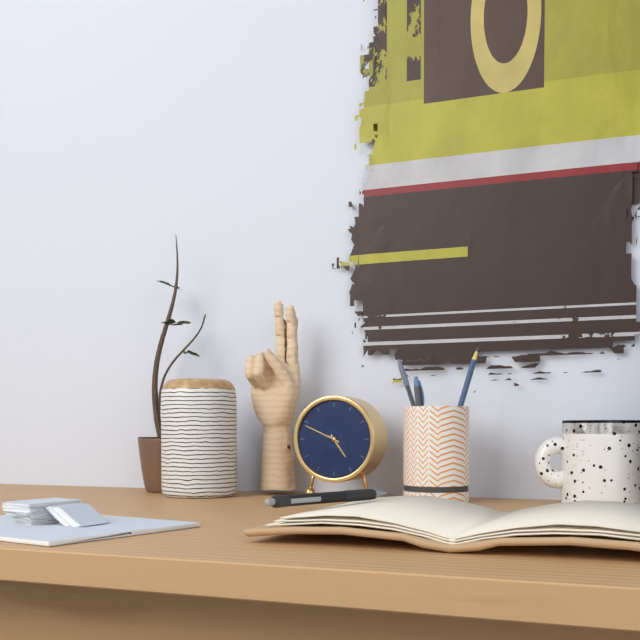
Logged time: **4:49**
